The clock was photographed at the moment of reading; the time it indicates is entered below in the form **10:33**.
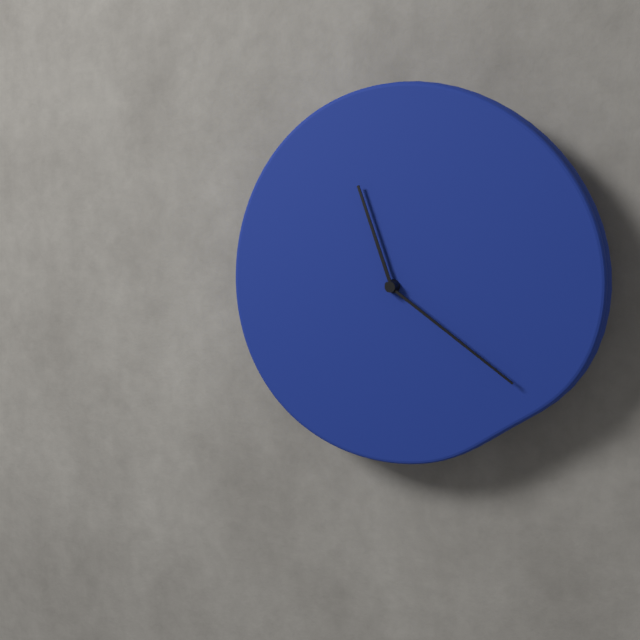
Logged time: **11:21**
